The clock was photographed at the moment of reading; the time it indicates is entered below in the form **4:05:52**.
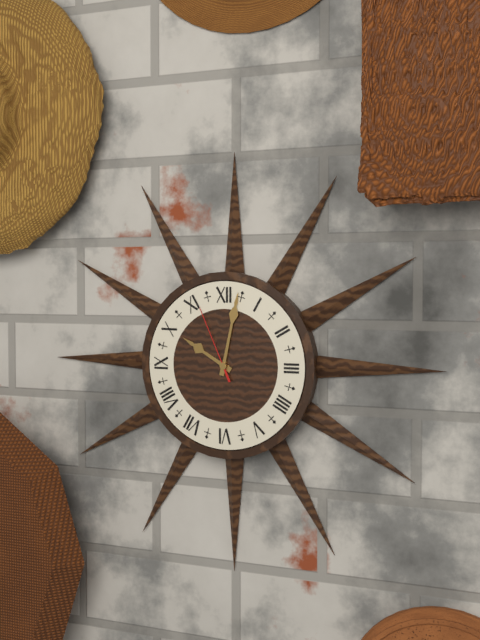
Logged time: **10:02:56**
